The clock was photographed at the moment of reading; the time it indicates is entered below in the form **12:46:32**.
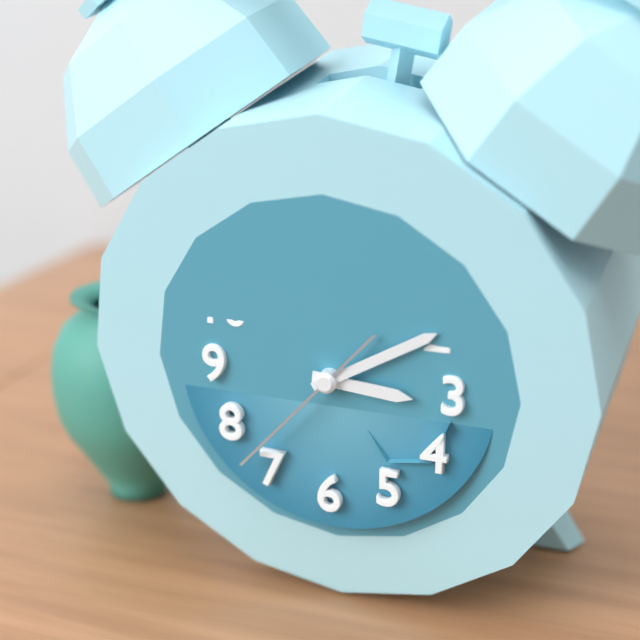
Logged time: **3:10:37**
